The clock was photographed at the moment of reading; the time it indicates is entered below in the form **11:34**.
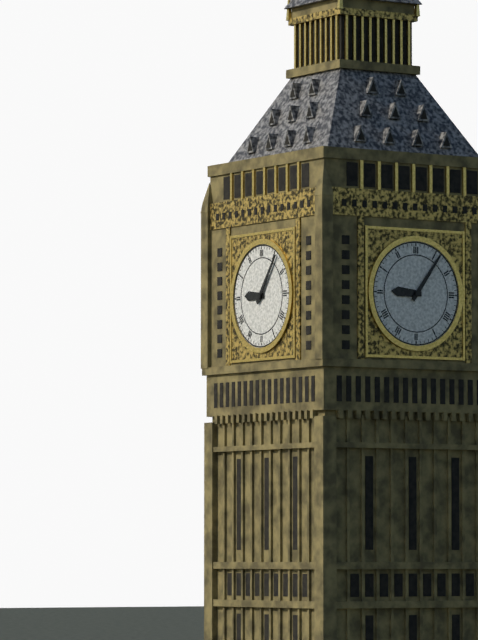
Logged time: **9:06**
